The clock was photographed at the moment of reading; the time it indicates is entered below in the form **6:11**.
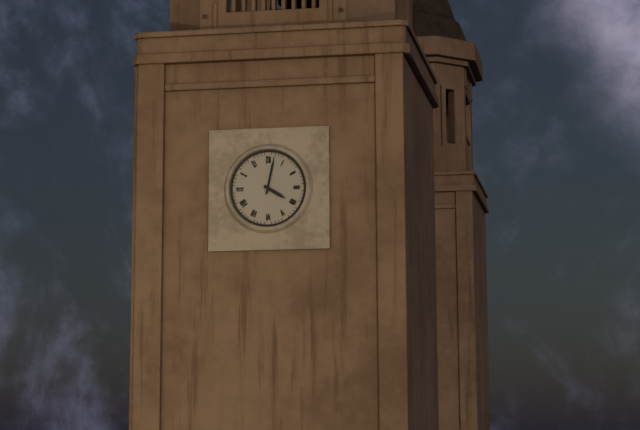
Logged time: **4:02**
